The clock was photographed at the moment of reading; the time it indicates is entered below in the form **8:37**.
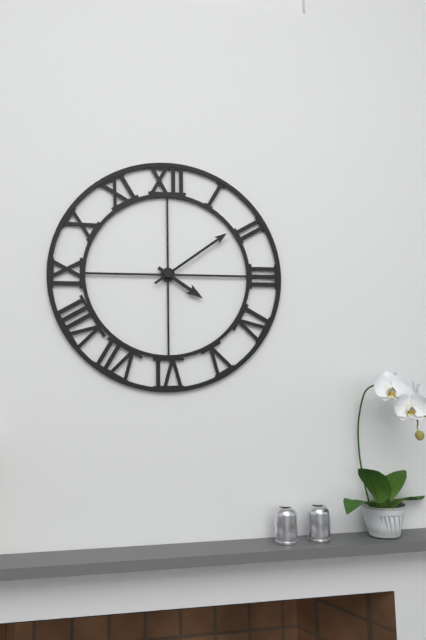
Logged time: **4:09**
